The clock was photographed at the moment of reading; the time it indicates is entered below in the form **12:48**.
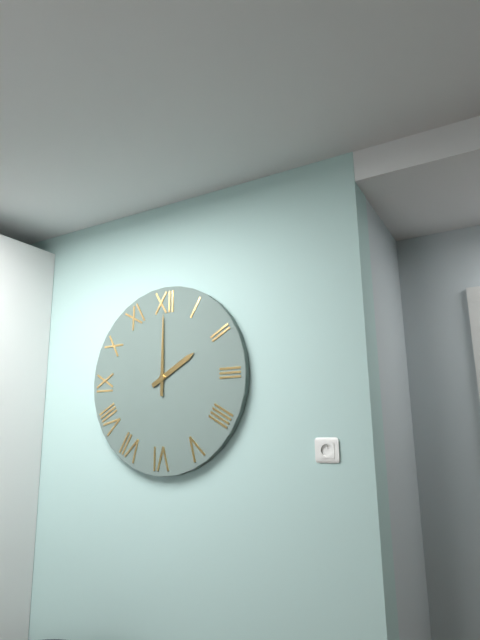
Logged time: **2:00**
